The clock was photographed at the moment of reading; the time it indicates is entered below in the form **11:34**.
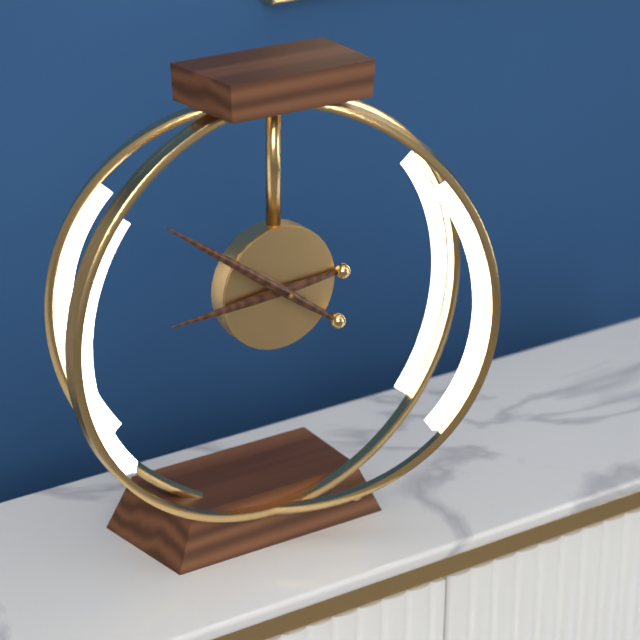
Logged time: **8:51**
